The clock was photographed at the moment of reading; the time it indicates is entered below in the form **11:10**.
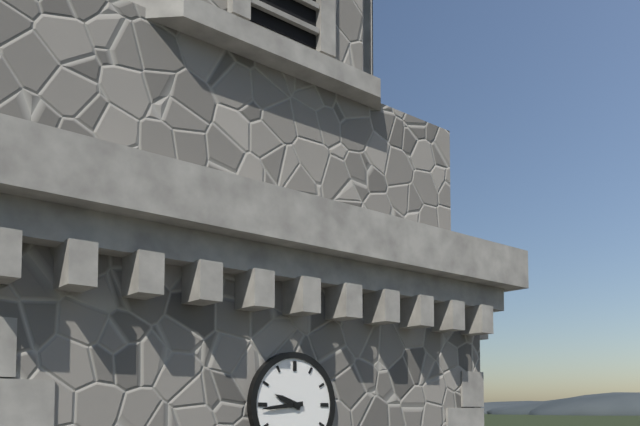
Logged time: **9:44**
